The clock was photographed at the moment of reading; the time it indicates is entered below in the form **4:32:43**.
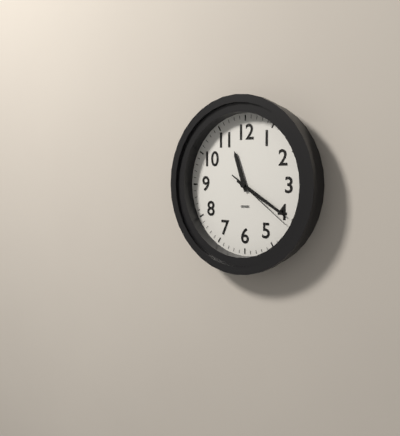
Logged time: **11:20:21**
